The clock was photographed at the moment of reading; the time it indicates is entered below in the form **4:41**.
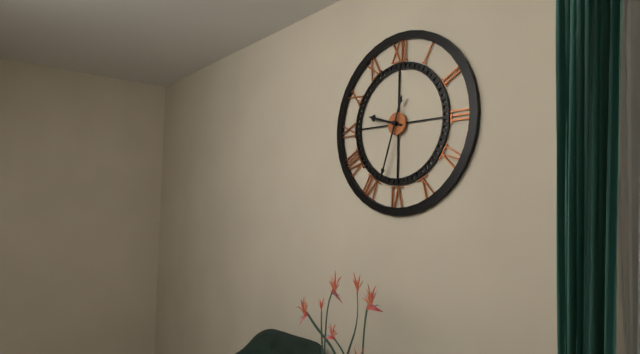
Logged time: **9:33**
